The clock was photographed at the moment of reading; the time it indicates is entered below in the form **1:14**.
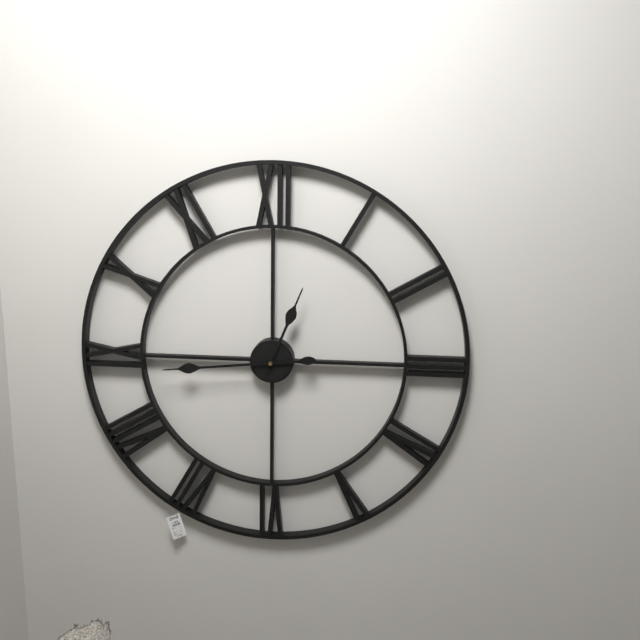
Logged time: **12:44**
